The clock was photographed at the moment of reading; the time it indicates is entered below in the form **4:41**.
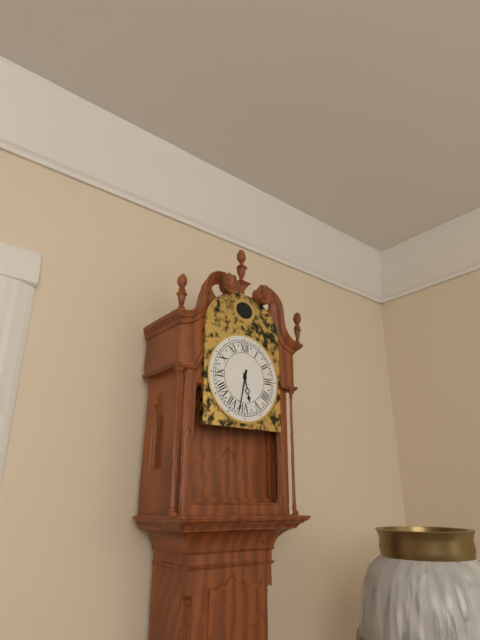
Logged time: **5:32**
